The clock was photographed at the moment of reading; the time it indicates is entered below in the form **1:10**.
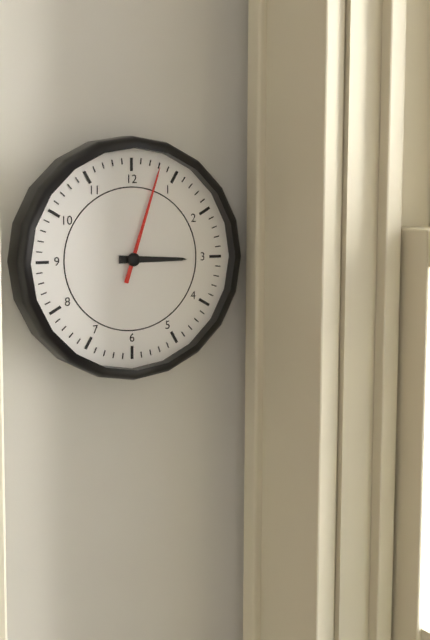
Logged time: **3:03**
